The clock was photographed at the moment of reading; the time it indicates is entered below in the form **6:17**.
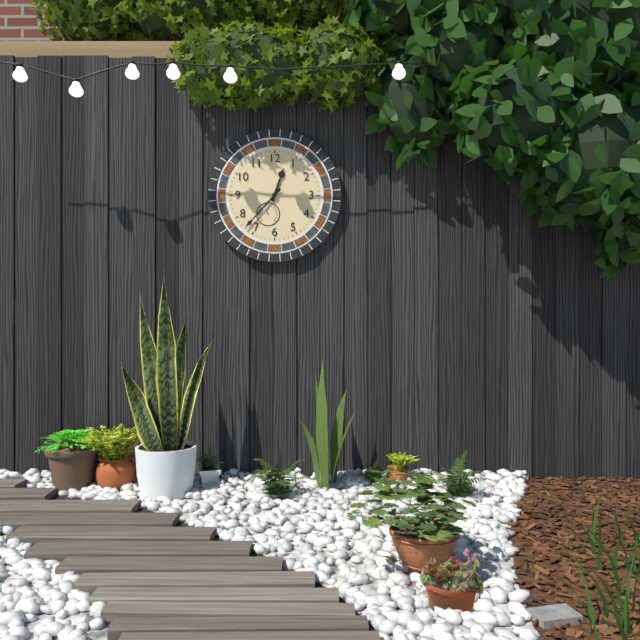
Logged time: **12:37**
